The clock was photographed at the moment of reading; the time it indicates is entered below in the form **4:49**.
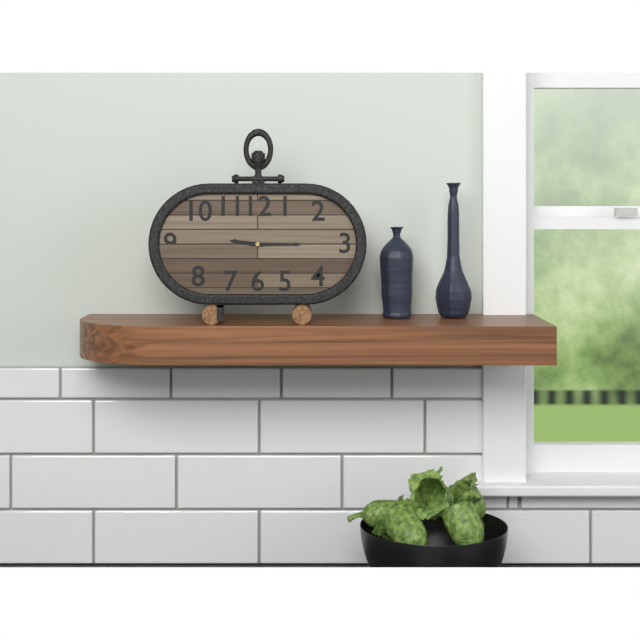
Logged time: **9:15**
